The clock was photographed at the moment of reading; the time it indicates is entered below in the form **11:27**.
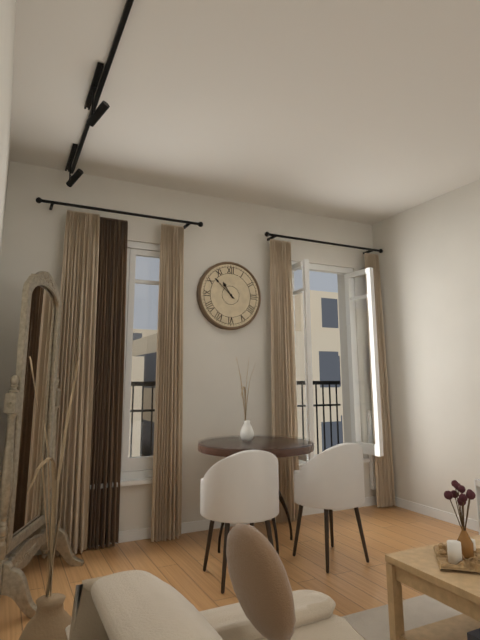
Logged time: **10:52**
